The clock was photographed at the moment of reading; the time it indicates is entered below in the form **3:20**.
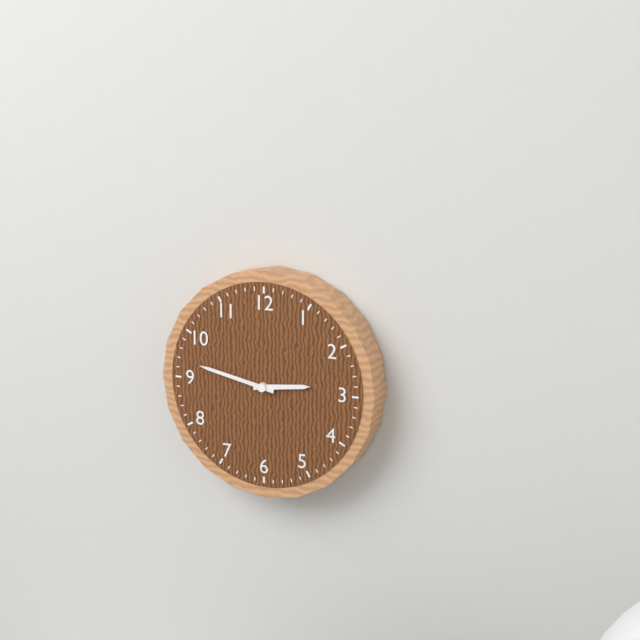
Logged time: **2:47**
